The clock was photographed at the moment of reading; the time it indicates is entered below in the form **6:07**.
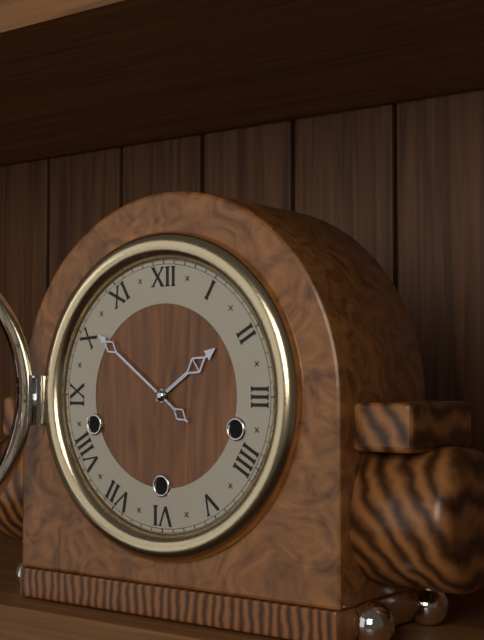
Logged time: **1:51**
